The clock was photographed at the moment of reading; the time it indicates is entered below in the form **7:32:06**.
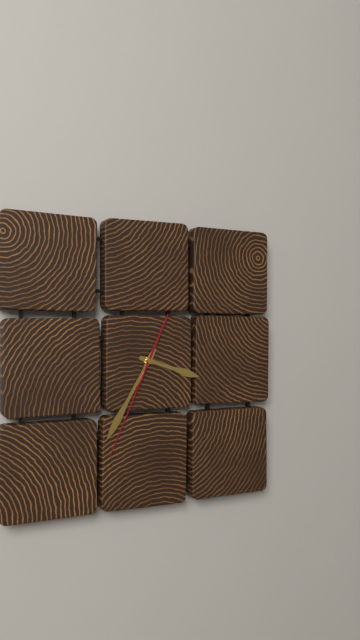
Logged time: **3:35:34**
